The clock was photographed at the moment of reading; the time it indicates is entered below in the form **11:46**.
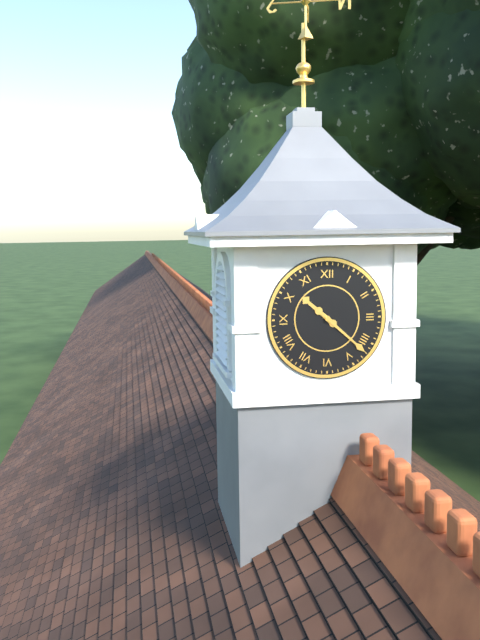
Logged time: **10:22**
